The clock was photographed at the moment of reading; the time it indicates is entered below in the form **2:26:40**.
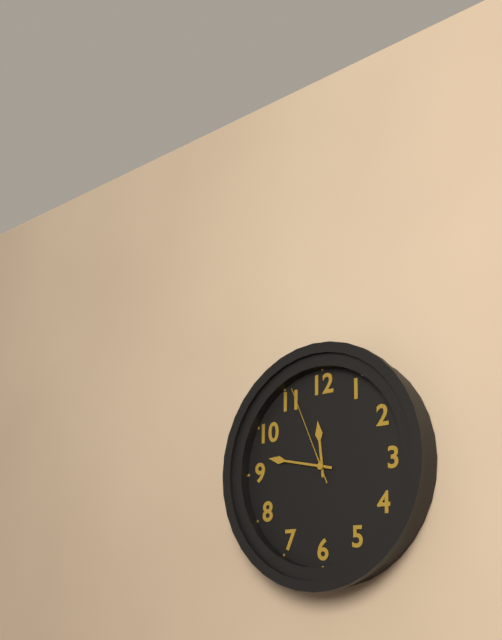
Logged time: **11:47:56**
